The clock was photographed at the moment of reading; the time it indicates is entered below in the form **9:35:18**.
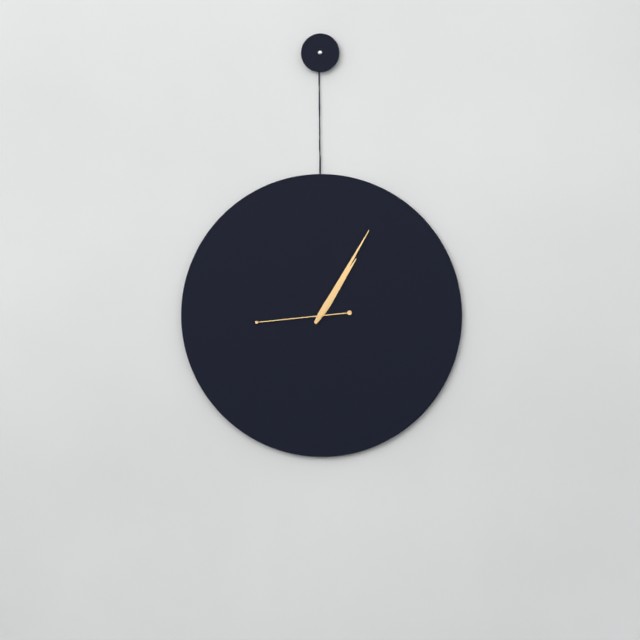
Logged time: **1:05:44**
